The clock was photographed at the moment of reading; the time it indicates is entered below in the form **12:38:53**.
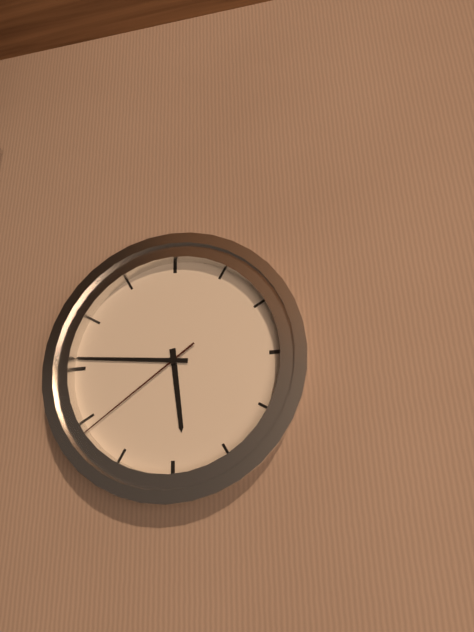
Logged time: **5:46:39**
